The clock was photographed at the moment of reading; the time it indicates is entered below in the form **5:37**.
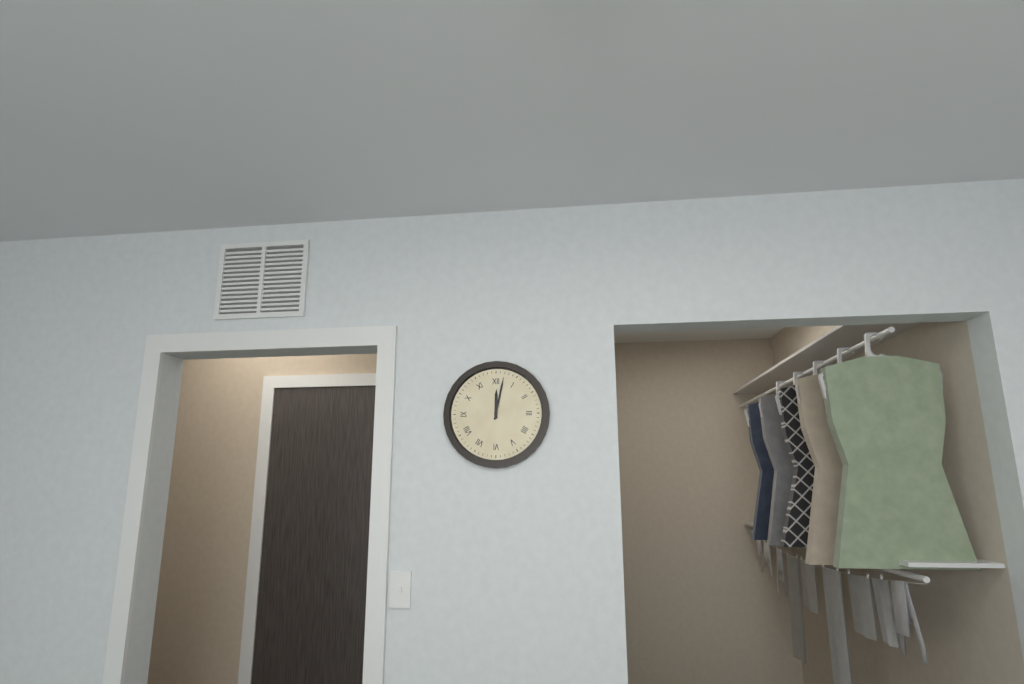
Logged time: **12:02**
